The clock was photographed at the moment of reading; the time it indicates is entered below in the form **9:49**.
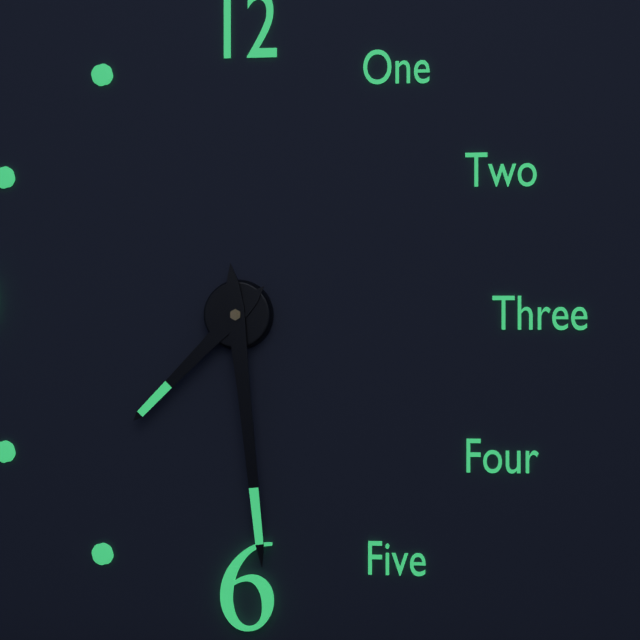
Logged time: **7:29**
